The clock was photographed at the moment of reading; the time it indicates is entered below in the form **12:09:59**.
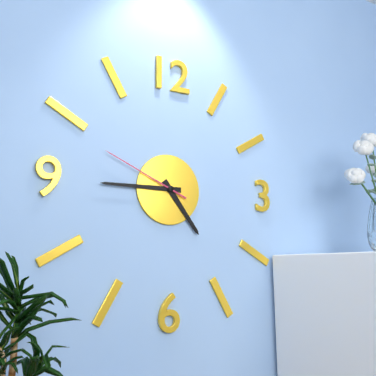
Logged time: **4:45:49**
